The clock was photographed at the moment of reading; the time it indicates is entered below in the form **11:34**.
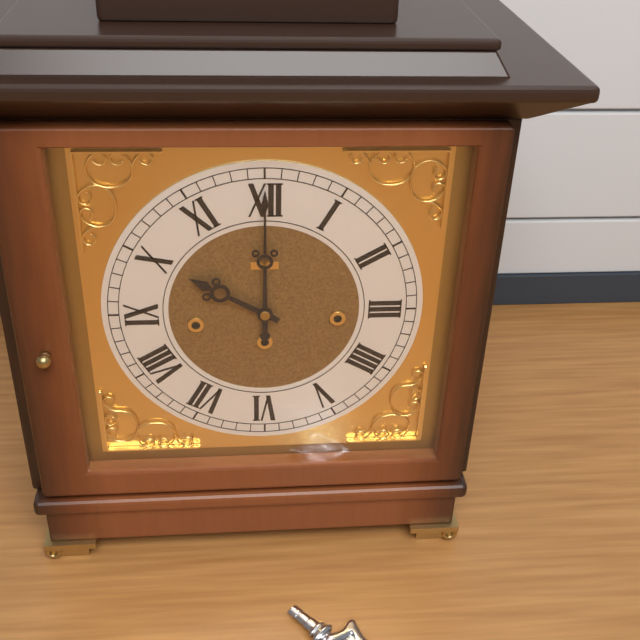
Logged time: **10:00**
